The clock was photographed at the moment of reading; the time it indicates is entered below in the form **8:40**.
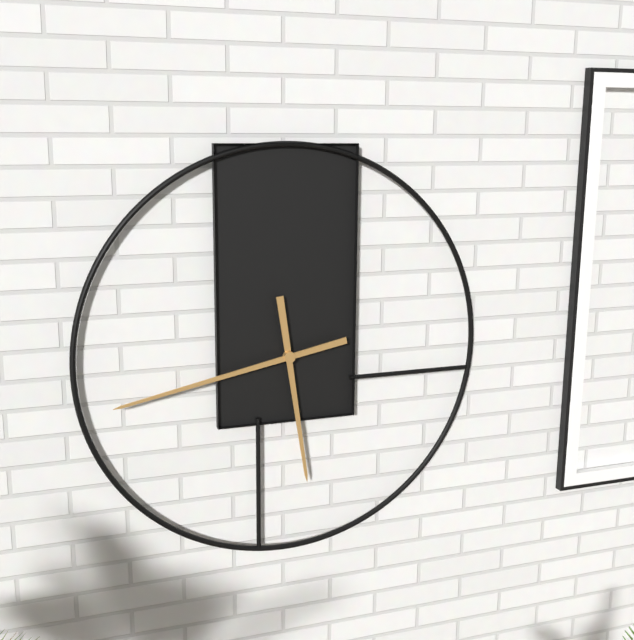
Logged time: **5:43**
